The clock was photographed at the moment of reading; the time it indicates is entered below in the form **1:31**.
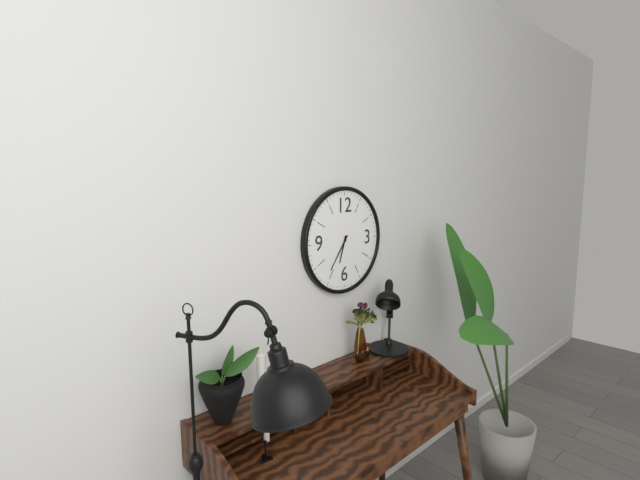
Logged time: **6:36**
